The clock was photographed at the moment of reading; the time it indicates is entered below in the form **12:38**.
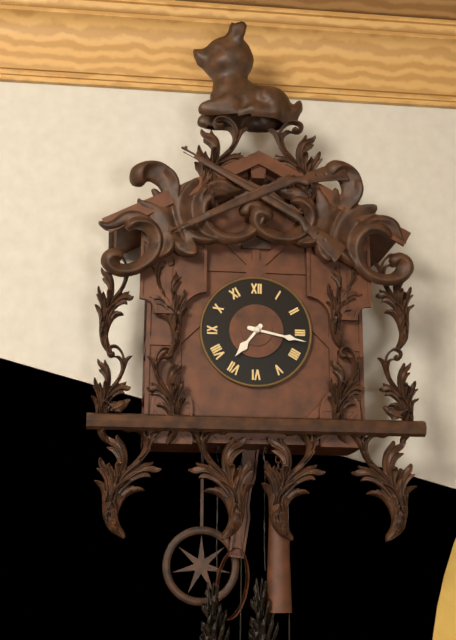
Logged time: **7:17**
